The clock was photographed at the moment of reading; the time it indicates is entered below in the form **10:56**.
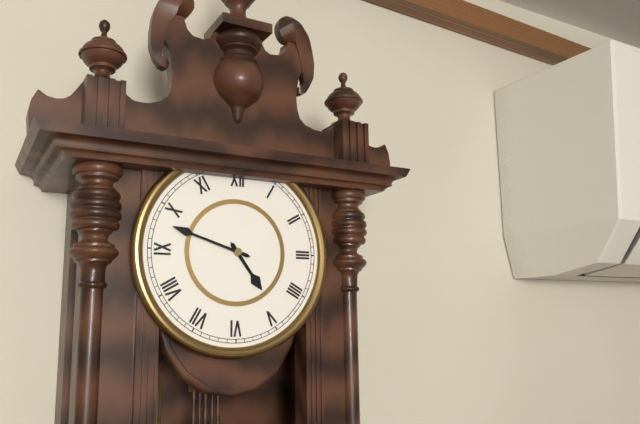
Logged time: **4:48**
